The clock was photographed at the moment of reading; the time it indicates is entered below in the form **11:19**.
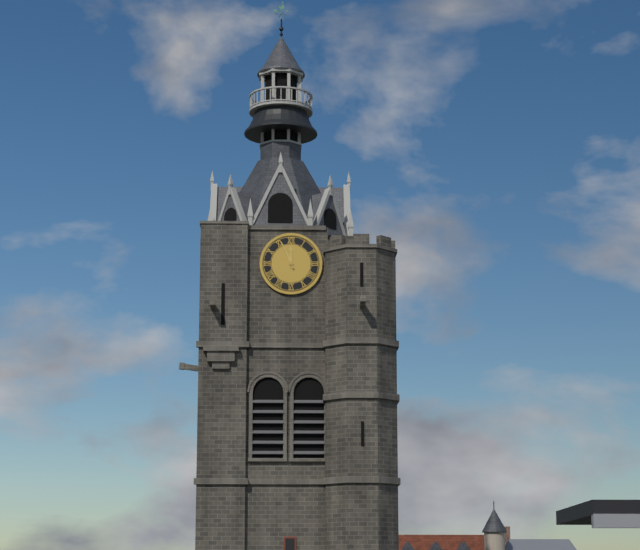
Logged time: **11:56**
